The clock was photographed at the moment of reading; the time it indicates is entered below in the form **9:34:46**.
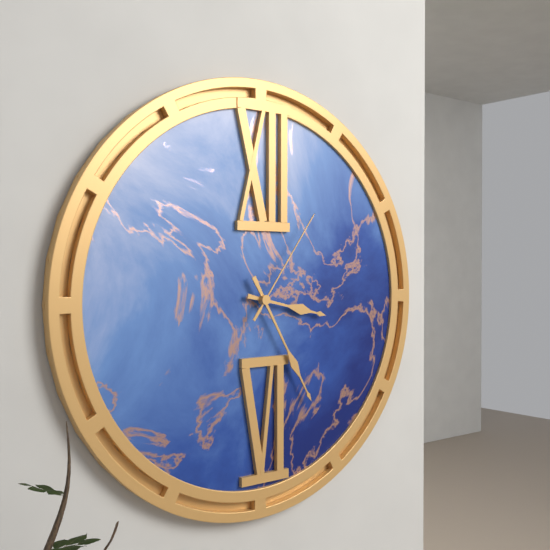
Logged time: **3:25:06**
